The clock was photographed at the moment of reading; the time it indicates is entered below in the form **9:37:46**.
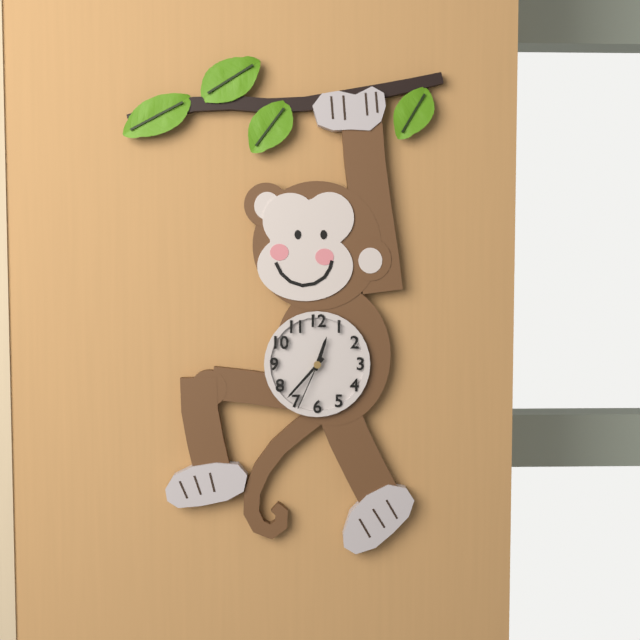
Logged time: **12:37:34**
